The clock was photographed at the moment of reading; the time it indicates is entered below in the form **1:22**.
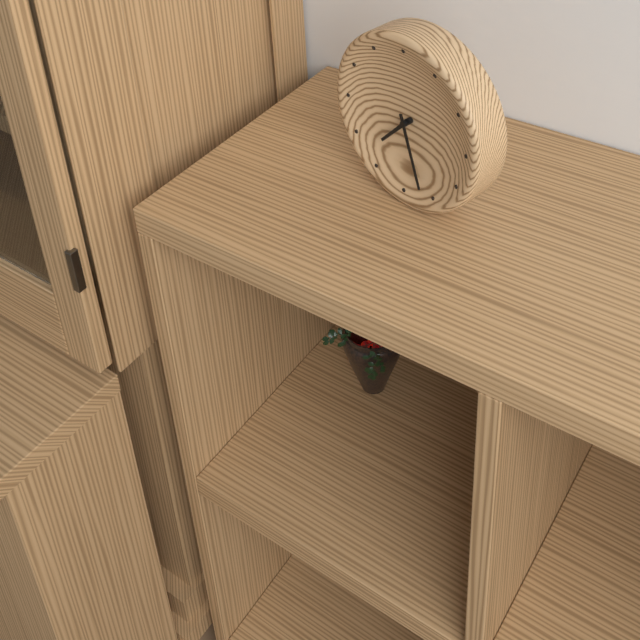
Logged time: **7:27**
